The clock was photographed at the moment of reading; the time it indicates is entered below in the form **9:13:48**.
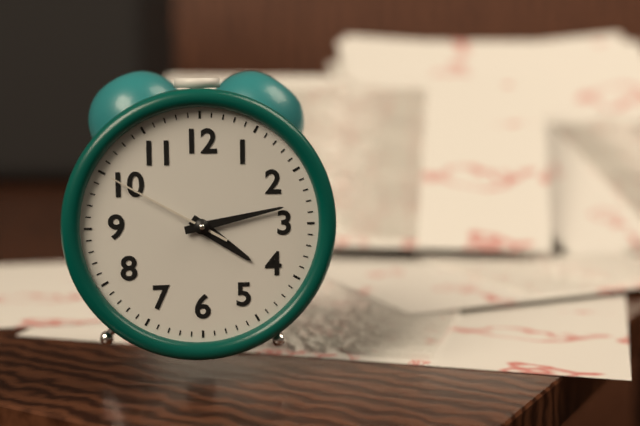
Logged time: **4:13:50**
